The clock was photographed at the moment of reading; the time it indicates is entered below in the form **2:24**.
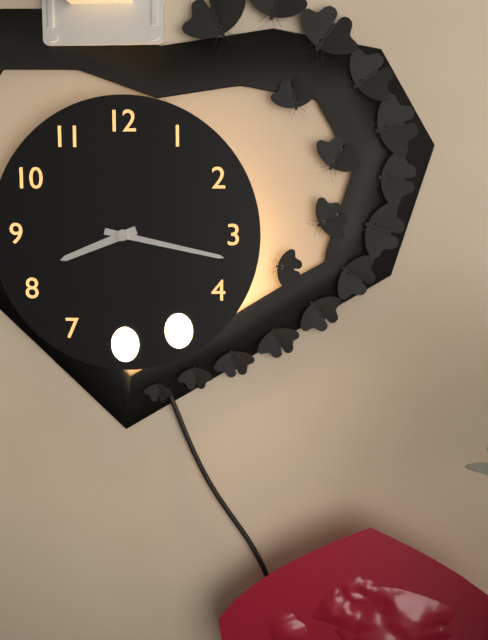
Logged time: **8:17**
